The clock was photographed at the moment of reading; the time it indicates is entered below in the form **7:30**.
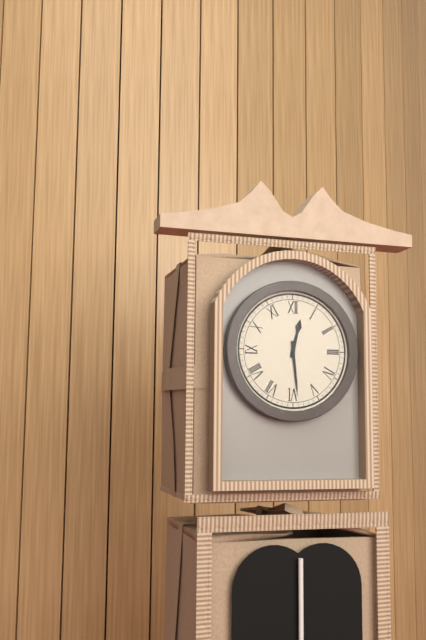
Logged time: **12:29**
